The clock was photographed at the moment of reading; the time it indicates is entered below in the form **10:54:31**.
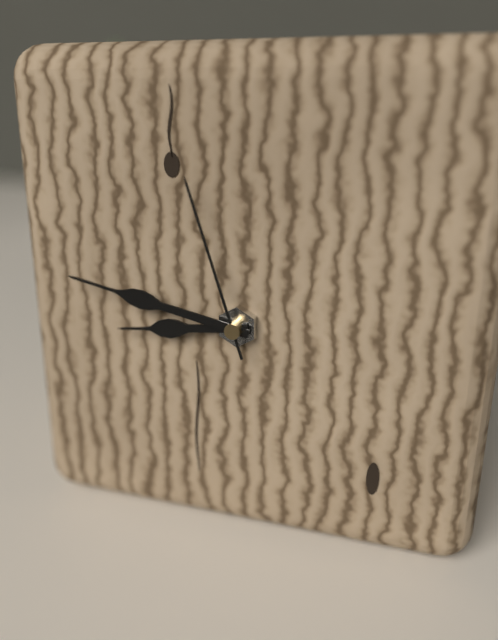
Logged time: **8:47:57**
